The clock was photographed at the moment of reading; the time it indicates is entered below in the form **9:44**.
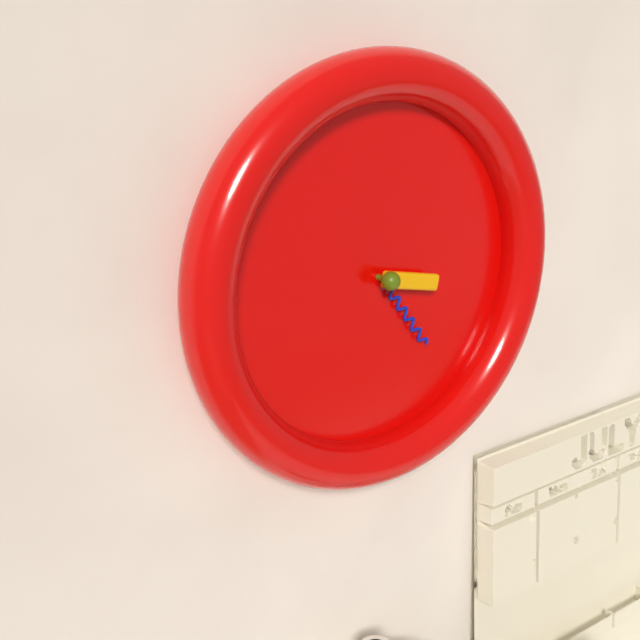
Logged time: **3:24**
